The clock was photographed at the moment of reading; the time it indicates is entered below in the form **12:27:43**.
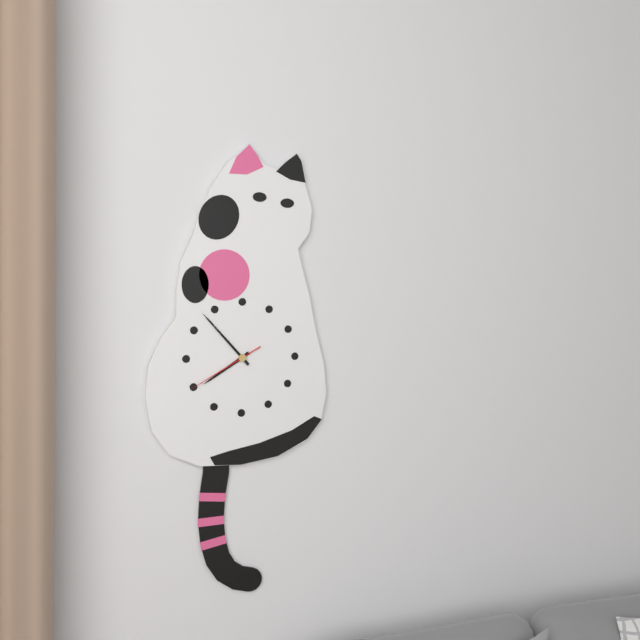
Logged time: **7:53:40**
